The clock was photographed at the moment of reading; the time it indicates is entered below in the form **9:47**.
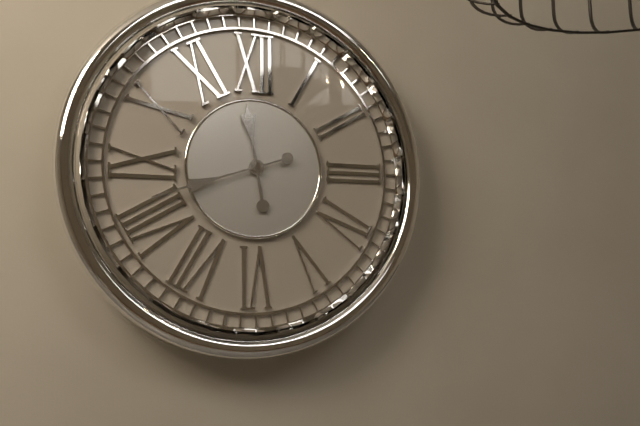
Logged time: **11:42**
